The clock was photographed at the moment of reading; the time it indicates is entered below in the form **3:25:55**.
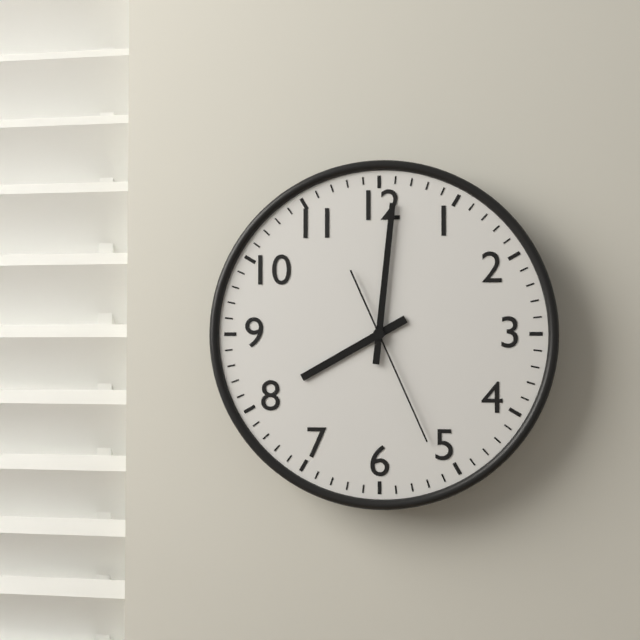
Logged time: **8:01:26**
